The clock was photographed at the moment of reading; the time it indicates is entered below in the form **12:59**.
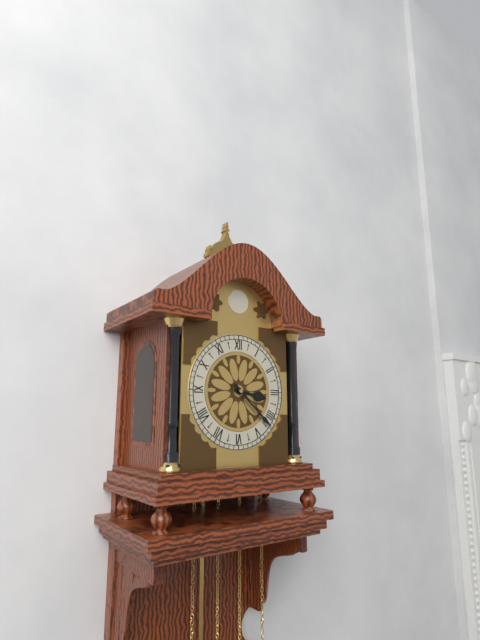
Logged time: **3:22**
